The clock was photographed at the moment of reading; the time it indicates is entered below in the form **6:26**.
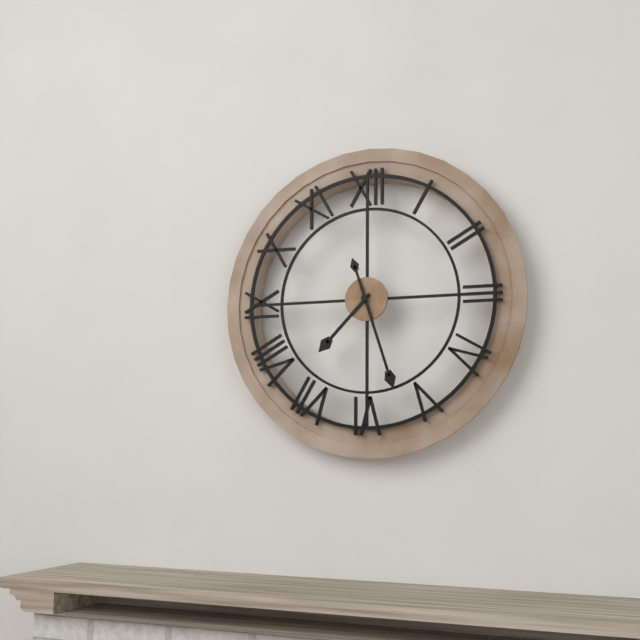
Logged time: **7:27**
